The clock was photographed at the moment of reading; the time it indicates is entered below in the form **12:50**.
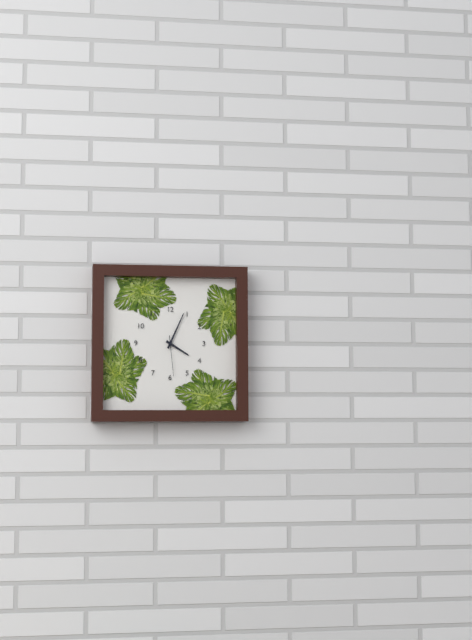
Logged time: **4:04**
